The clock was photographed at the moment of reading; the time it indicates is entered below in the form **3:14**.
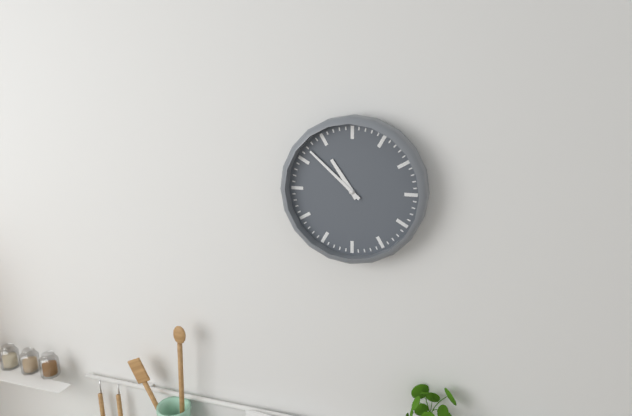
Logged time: **10:52**
